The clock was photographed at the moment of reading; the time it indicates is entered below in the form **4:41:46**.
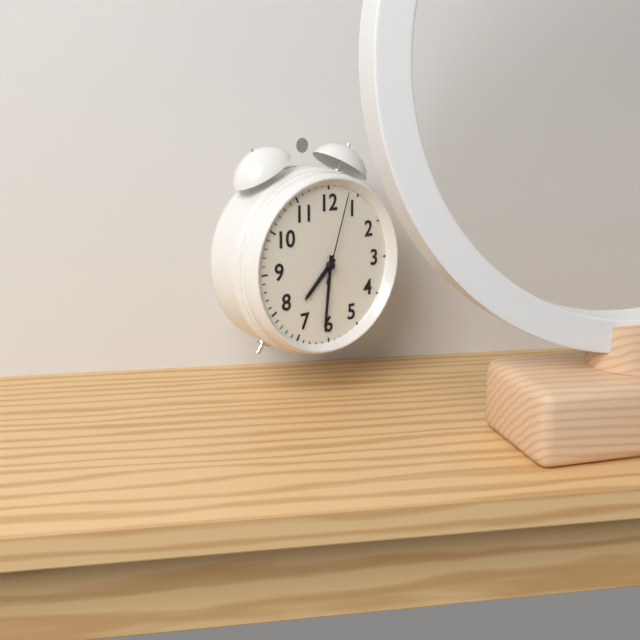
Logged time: **7:31:03**
